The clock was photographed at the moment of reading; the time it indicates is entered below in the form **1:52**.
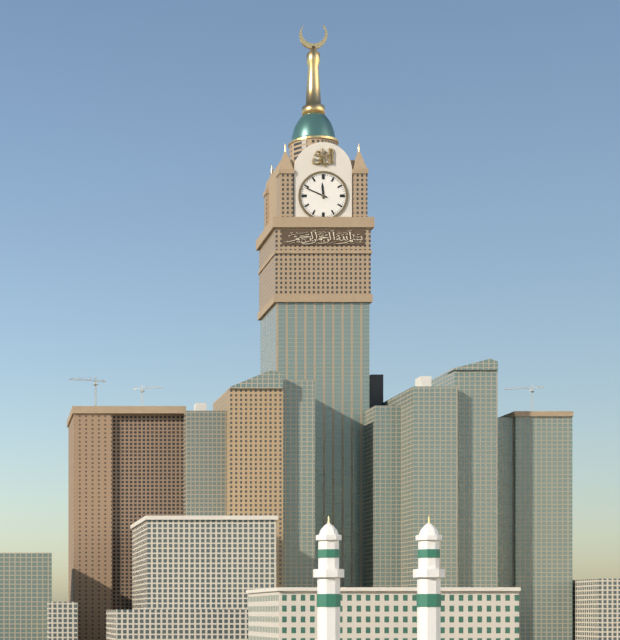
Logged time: **11:49**
